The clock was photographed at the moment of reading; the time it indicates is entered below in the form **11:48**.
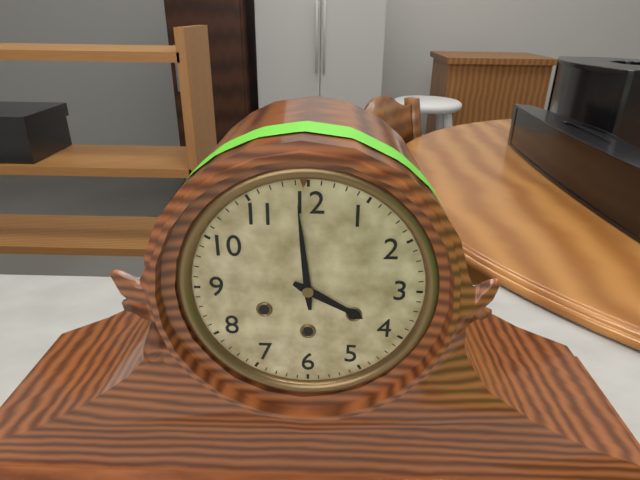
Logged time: **3:59**
